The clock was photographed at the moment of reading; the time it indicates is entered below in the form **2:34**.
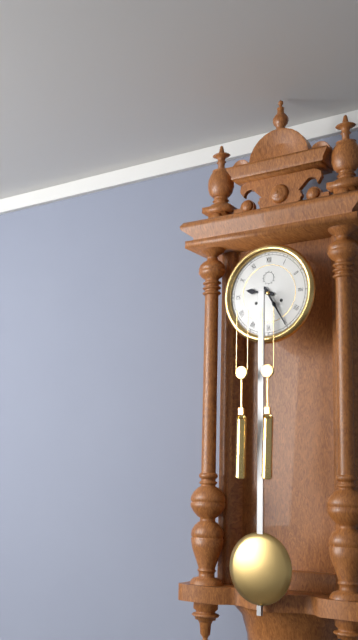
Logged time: **9:25**
